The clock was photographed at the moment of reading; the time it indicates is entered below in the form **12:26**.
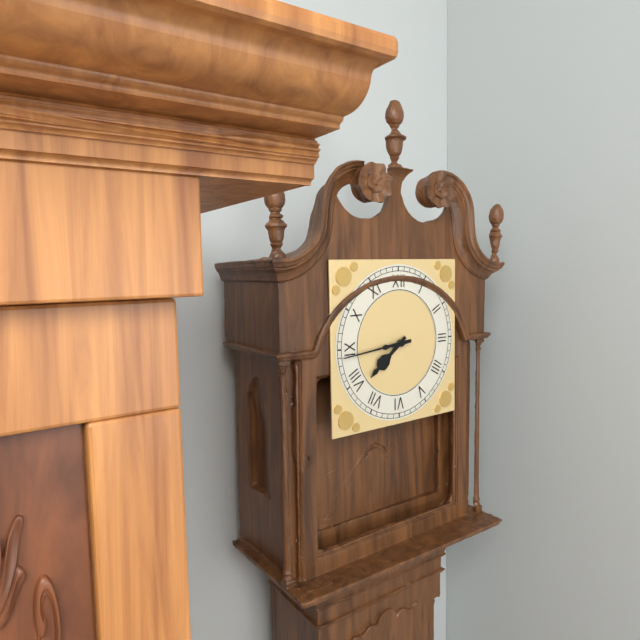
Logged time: **7:44**
